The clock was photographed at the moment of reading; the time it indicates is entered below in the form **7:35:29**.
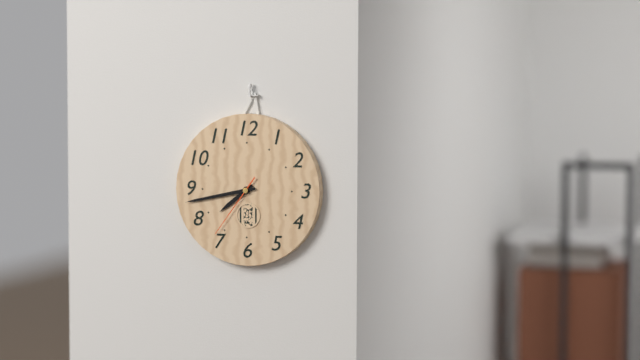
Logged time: **7:43:36**
